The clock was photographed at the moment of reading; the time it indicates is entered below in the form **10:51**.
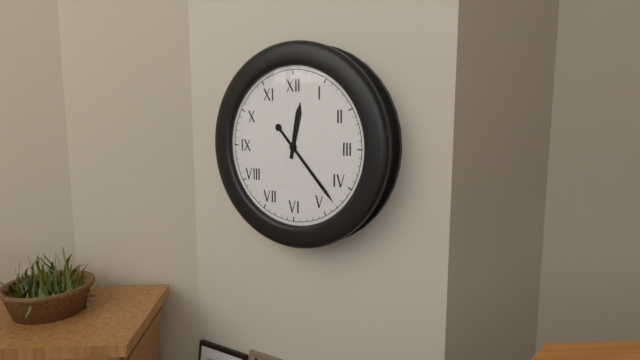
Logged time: **12:23**
